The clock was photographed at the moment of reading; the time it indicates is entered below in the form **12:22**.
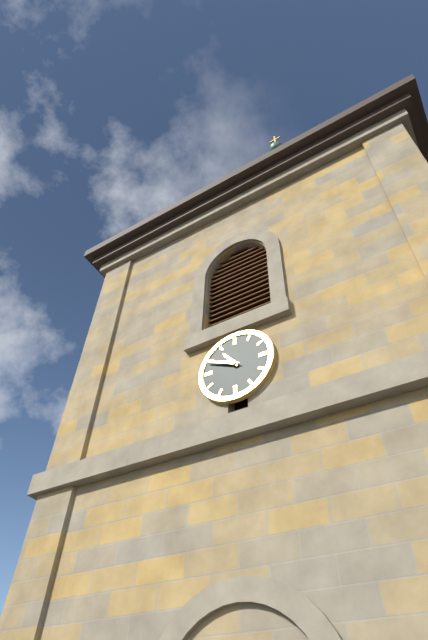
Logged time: **10:49**
